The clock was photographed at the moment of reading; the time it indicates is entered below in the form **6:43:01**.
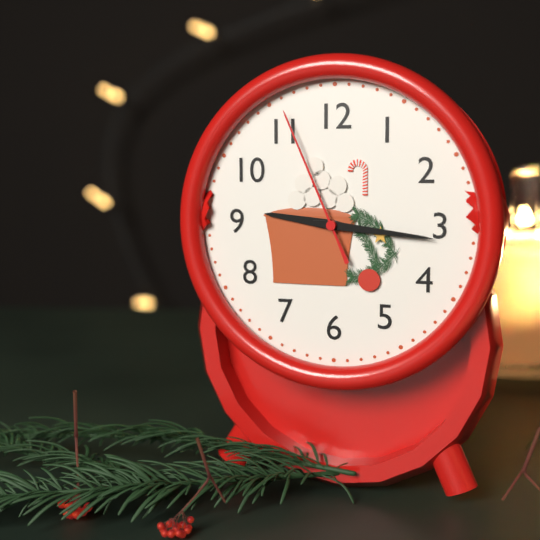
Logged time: **9:16:56**
